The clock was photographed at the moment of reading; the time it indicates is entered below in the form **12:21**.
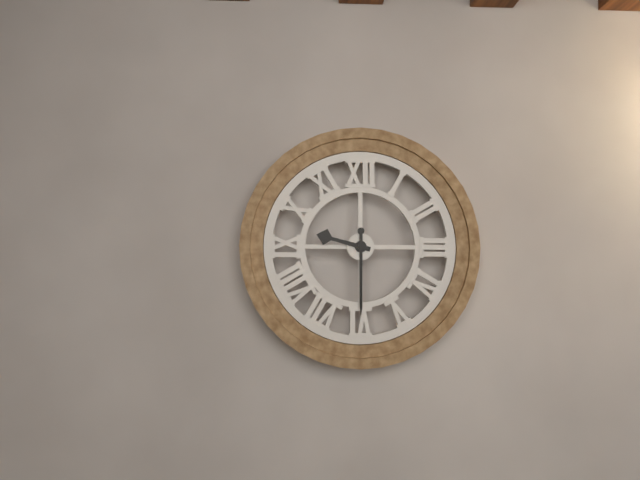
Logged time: **9:30**
